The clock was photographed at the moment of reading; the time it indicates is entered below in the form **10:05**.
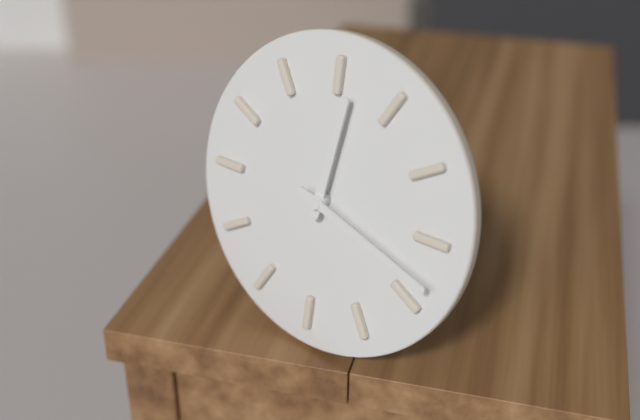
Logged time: **12:18**
